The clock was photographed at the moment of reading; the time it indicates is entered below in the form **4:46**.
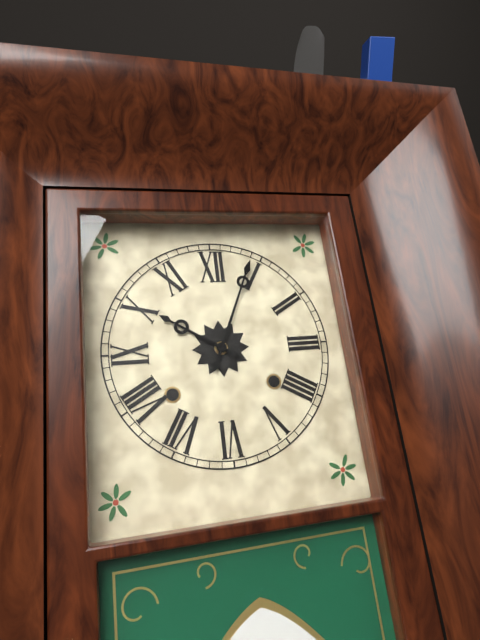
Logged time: **10:04**
